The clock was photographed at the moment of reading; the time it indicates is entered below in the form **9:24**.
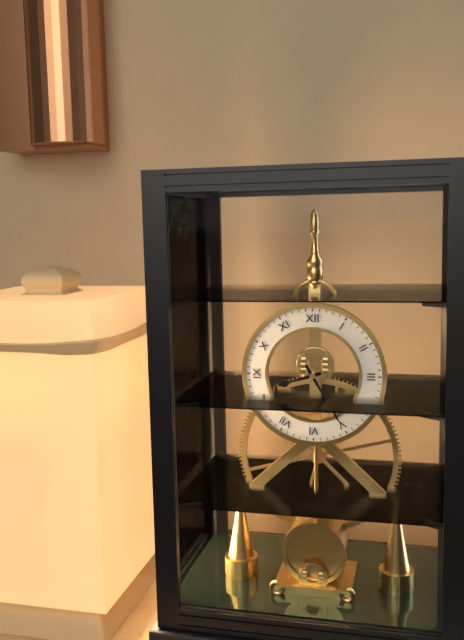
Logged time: **8:25**
